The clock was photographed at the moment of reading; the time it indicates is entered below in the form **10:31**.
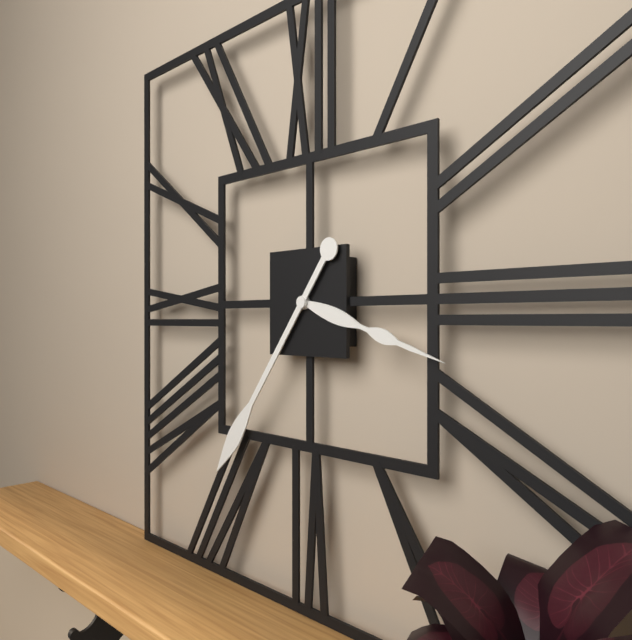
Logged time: **3:36**
